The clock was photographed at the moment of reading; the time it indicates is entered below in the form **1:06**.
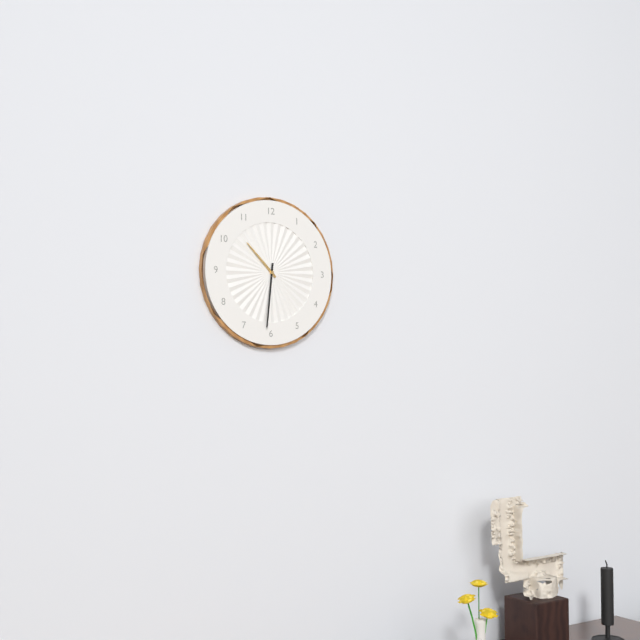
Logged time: **10:31**
